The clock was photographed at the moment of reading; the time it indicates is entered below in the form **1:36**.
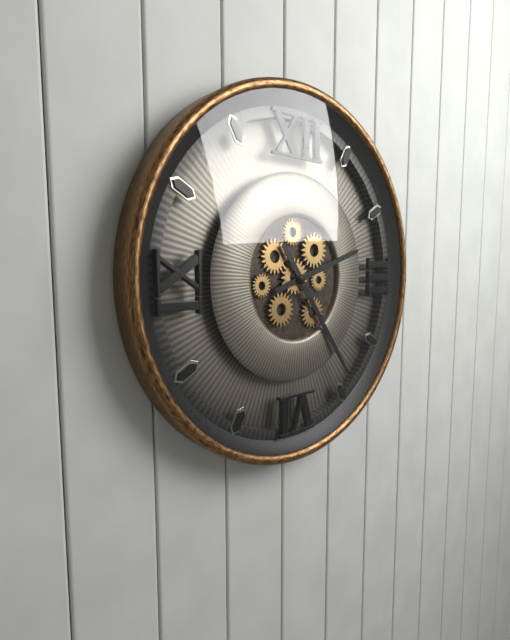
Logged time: **2:24**
